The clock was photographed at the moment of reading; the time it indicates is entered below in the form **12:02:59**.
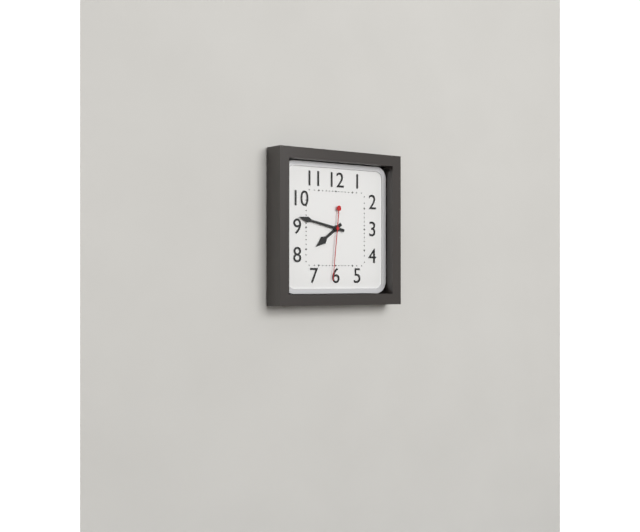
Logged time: **7:47:31**
